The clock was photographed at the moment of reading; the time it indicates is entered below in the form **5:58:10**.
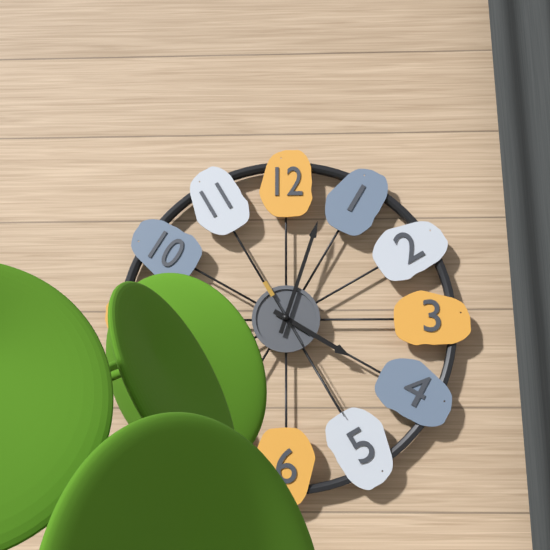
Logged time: **4:03:25**
